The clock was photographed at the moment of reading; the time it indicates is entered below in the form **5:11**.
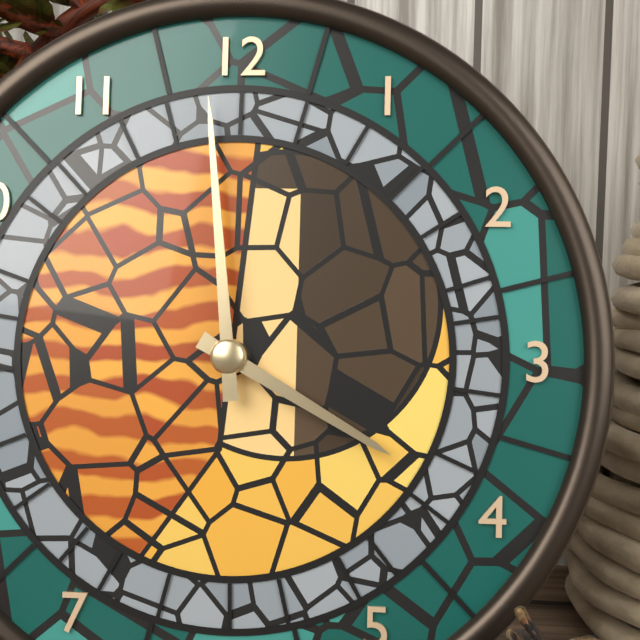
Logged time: **3:59**
